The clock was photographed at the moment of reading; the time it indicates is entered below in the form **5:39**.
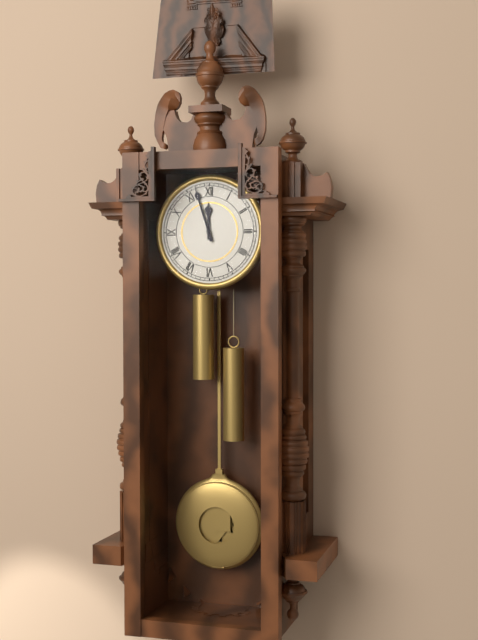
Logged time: **11:57**
